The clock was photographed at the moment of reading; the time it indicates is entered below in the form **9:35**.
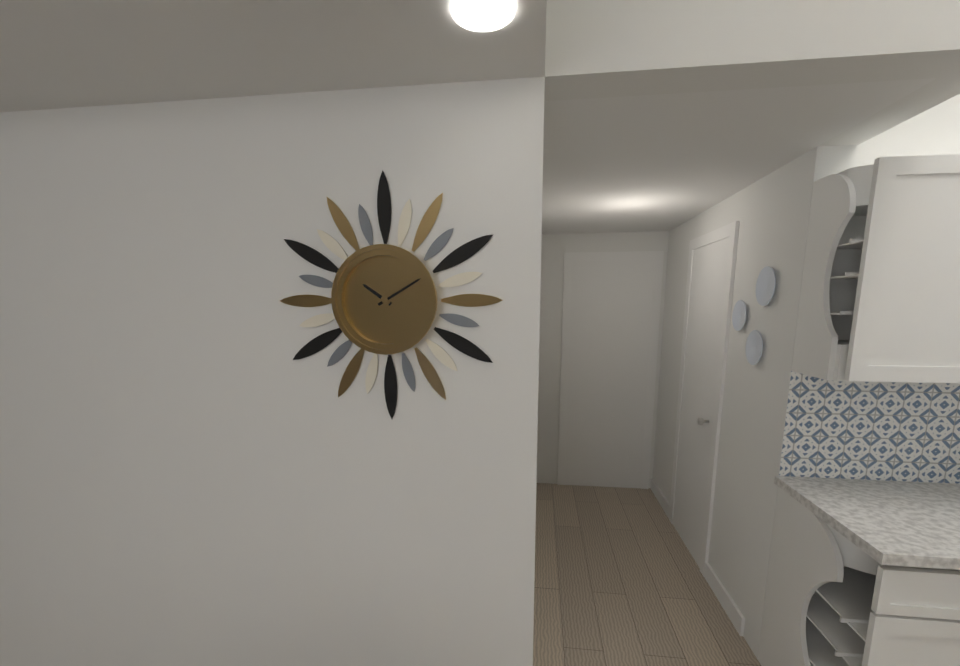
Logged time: **10:10**
